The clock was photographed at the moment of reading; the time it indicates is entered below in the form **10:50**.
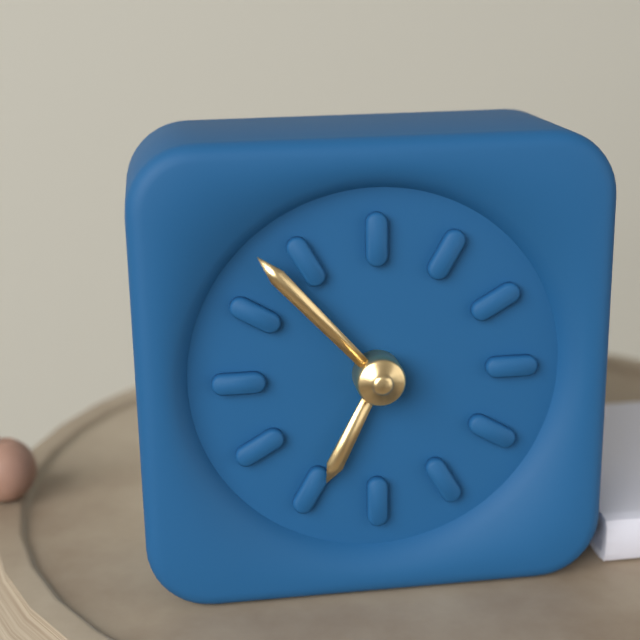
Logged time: **6:53**
